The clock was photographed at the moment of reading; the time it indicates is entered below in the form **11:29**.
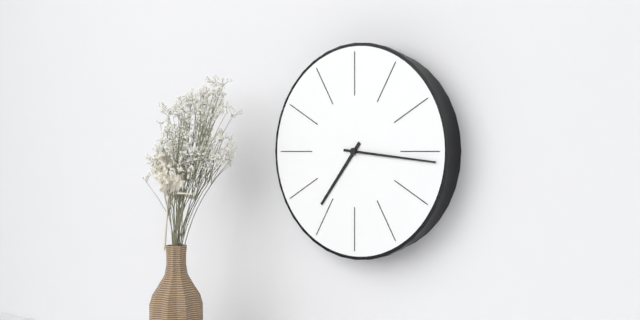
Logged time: **7:16**
